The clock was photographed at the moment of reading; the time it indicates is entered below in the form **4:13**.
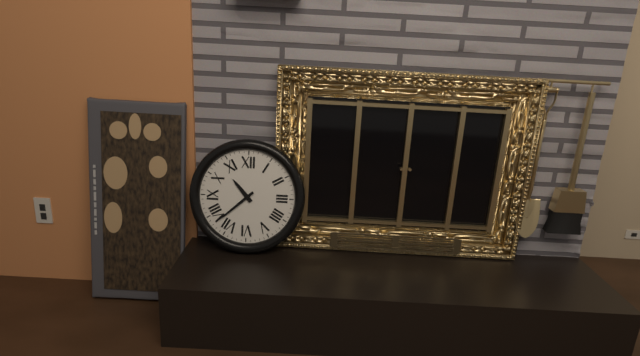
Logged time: **10:38**
